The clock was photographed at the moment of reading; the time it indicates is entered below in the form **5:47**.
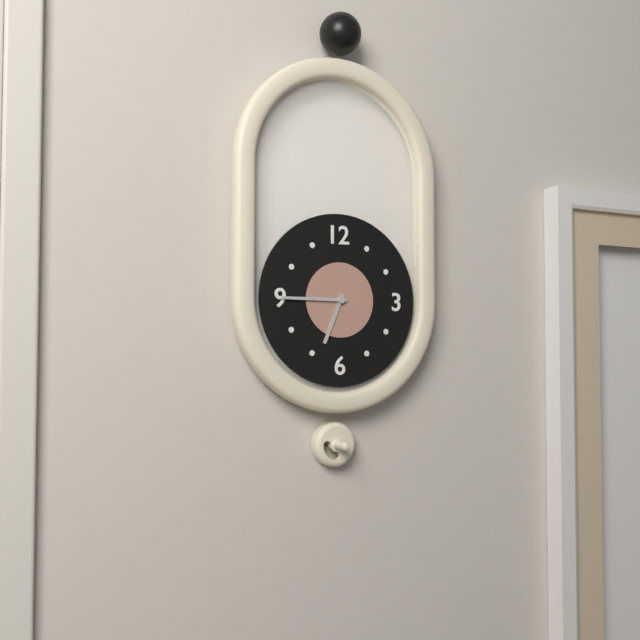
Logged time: **6:45**
